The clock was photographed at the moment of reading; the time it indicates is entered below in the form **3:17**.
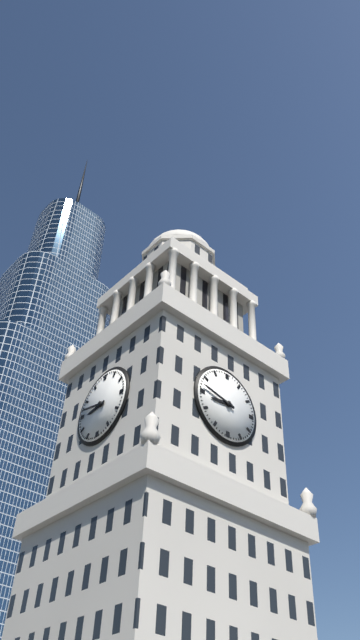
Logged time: **8:47**
